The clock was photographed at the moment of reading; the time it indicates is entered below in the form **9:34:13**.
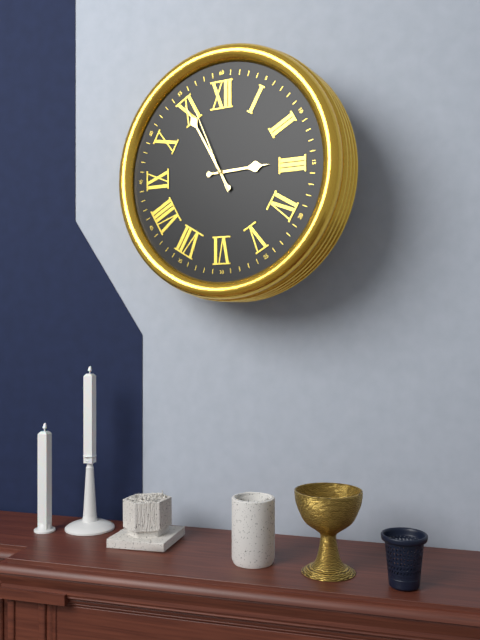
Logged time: **2:55:56**
